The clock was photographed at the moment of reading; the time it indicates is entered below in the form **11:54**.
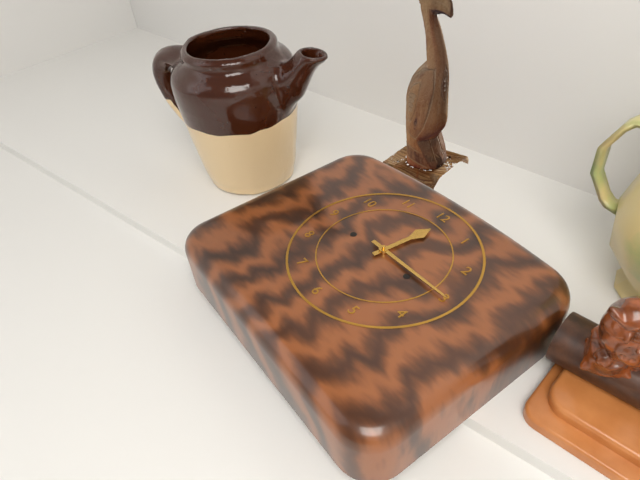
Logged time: **12:15**
